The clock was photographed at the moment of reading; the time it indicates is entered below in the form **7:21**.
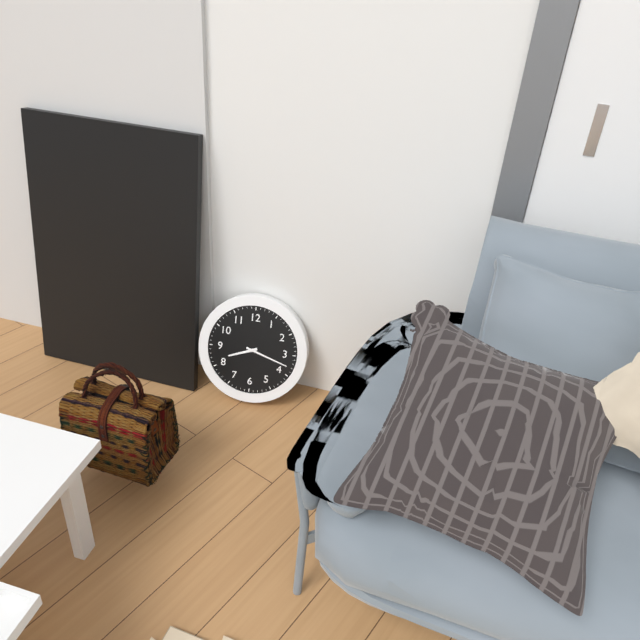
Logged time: **8:18**
